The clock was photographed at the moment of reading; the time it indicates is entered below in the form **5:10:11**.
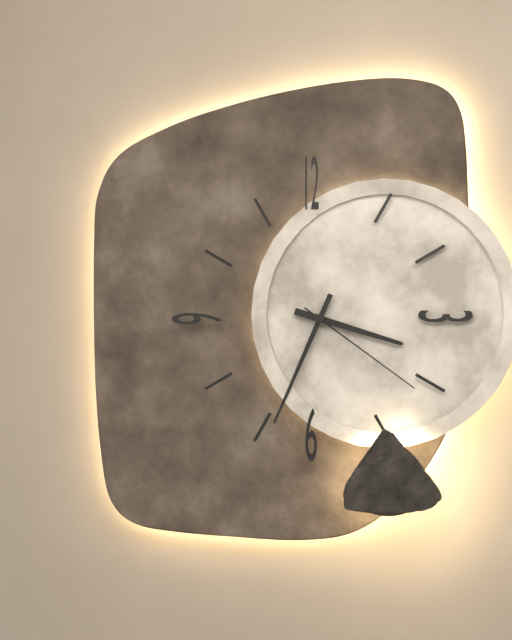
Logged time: **3:34:21**
